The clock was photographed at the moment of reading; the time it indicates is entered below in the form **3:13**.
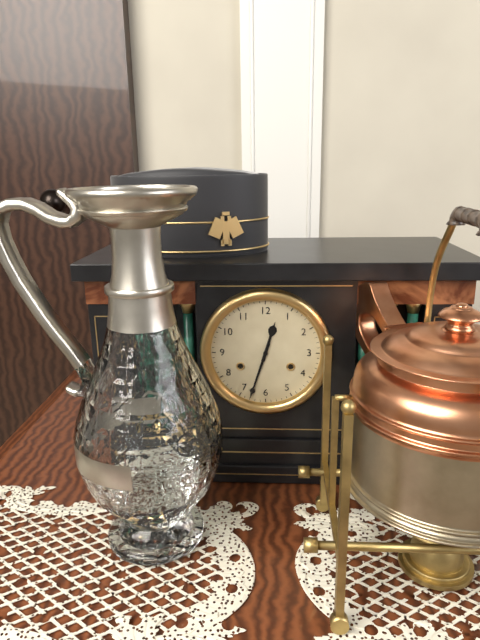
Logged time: **12:33**
